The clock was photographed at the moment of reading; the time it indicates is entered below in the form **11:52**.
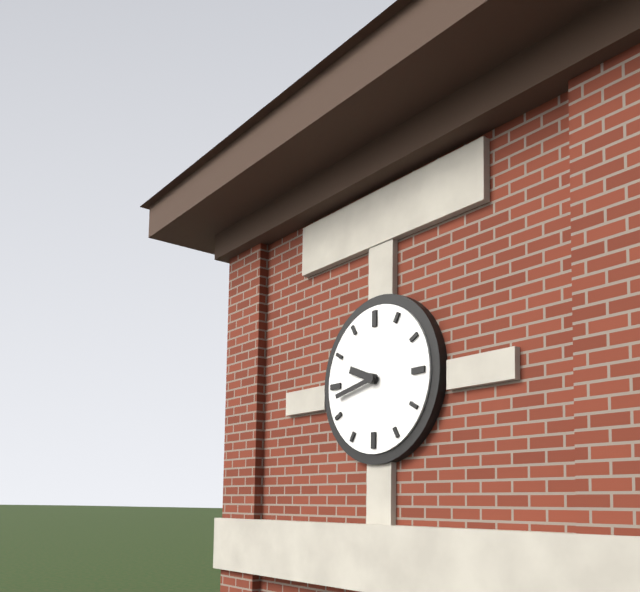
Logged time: **9:43**
